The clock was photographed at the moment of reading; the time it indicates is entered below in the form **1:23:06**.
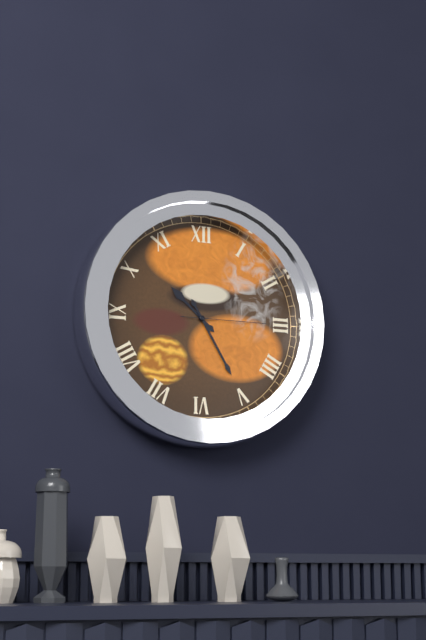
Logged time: **10:25:15**
